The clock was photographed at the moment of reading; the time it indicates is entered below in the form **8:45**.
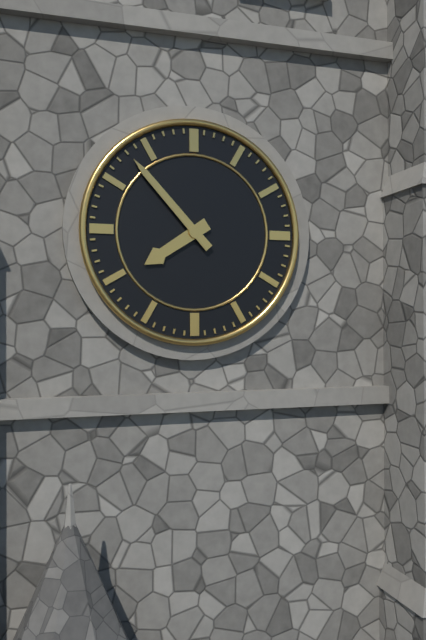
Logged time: **7:53**
